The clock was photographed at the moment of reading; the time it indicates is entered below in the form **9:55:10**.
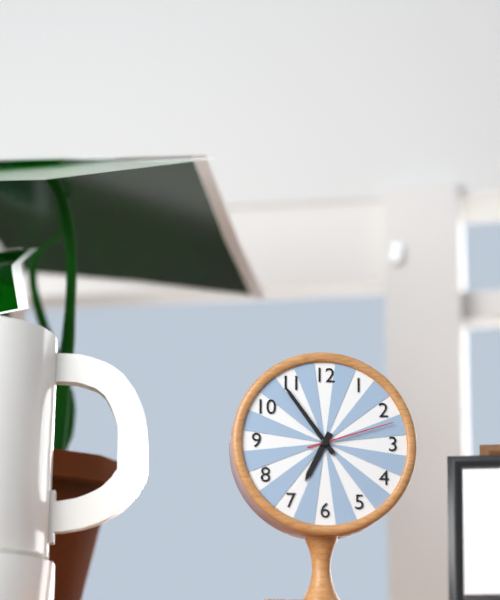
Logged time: **6:54:12**
